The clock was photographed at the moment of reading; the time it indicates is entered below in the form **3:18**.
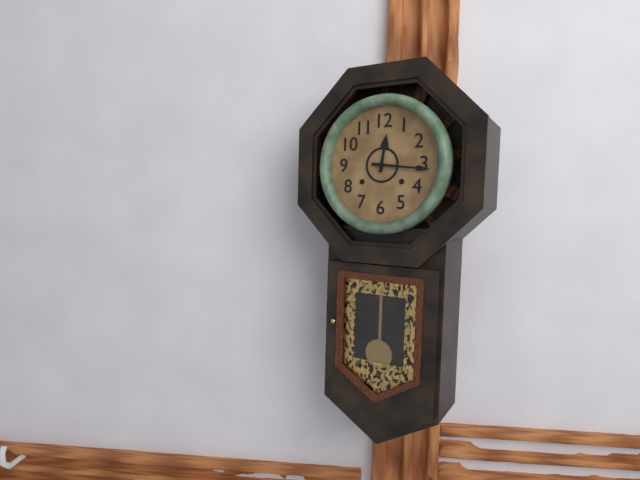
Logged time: **12:16**
